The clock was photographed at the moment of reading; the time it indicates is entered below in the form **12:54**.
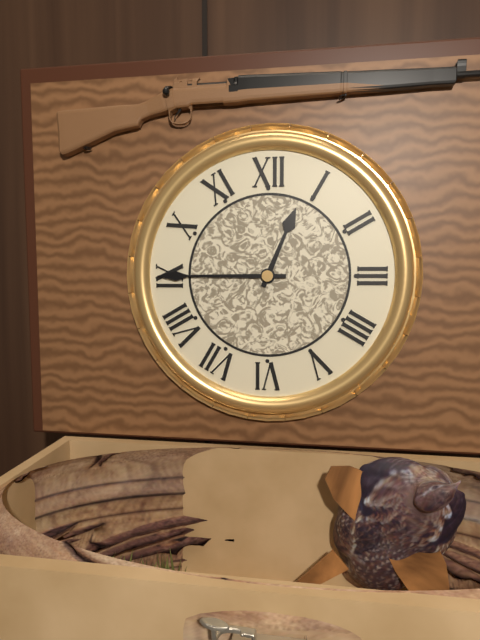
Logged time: **12:45**
